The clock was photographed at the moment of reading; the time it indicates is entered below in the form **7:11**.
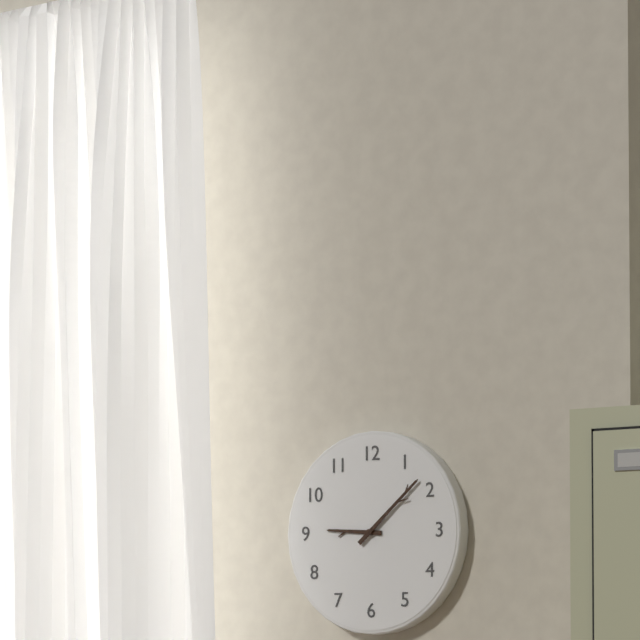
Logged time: **9:08**
